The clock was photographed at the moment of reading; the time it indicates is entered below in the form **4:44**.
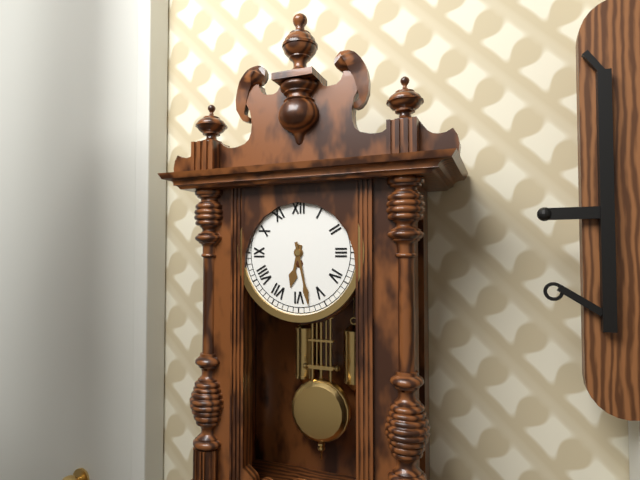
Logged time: **6:28**
